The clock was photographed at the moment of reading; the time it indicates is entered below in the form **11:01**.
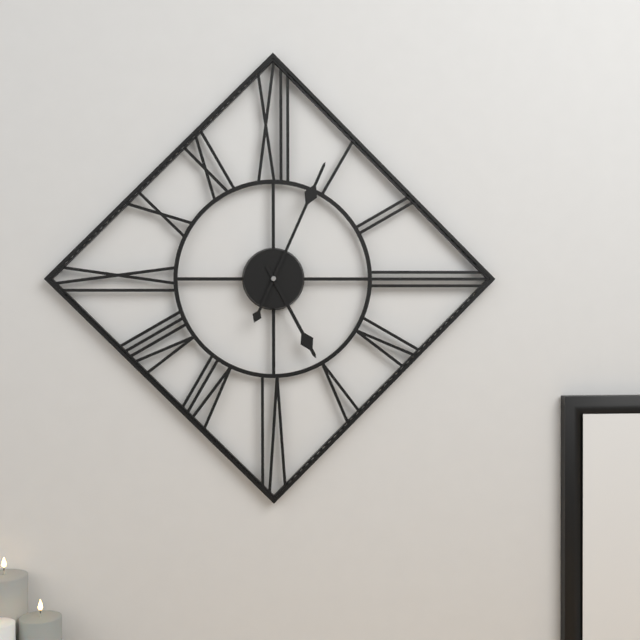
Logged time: **5:04**
